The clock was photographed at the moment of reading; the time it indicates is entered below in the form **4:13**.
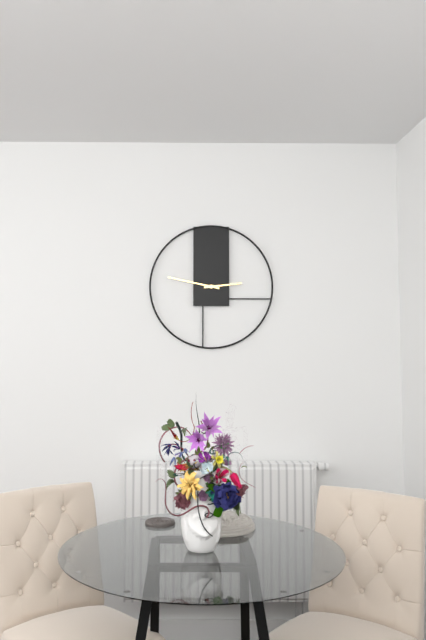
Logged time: **2:47**
